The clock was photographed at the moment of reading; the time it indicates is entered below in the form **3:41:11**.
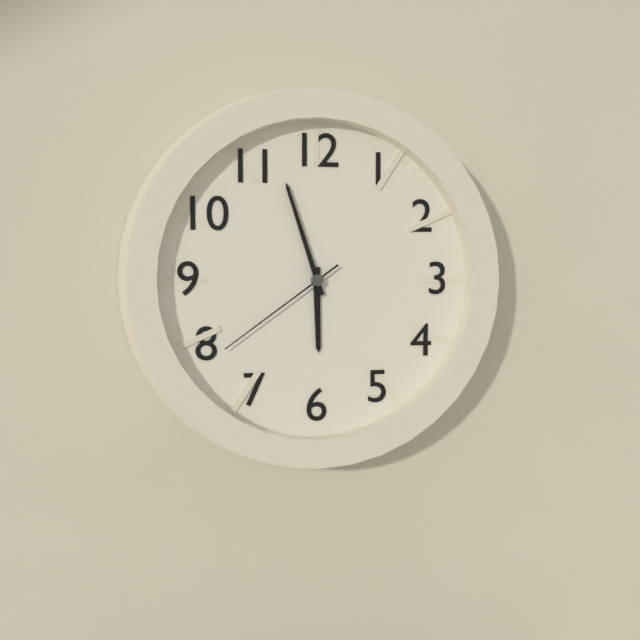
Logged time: **5:57:39**
